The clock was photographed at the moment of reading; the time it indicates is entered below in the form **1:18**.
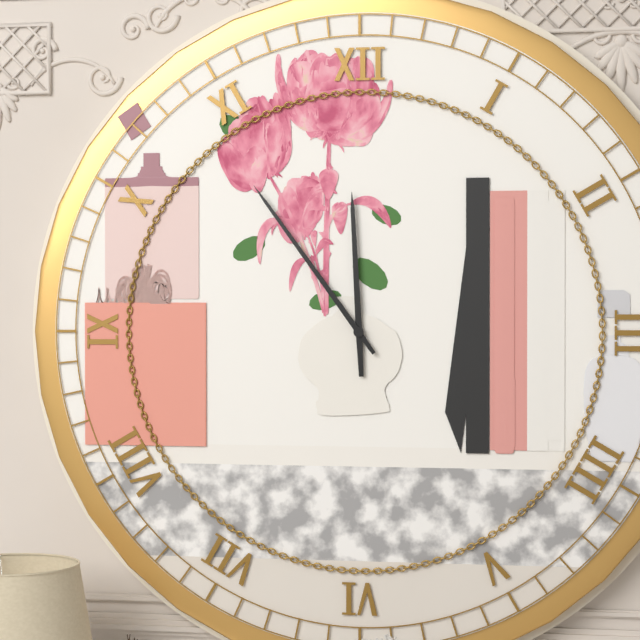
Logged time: **11:54**
